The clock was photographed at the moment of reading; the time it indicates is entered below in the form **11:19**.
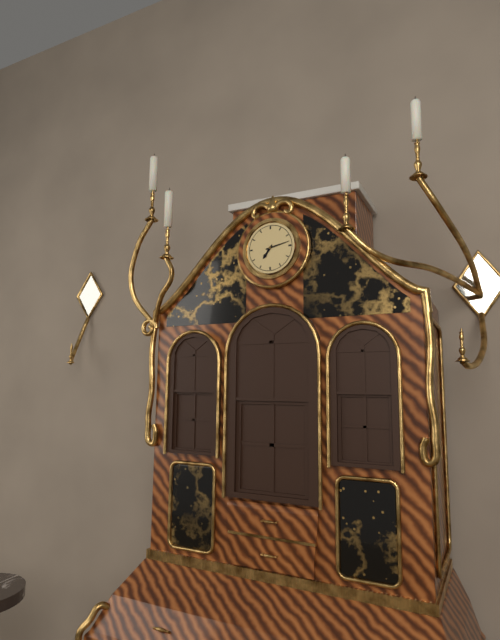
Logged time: **7:13**
